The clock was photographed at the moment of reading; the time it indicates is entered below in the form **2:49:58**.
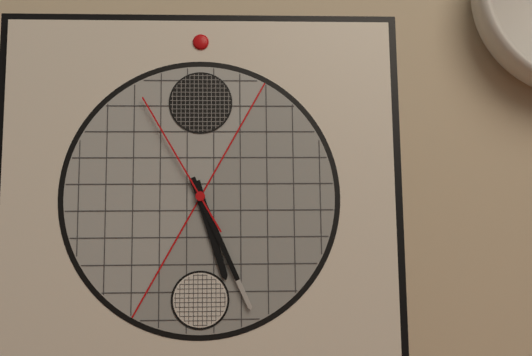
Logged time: **5:26:55**
